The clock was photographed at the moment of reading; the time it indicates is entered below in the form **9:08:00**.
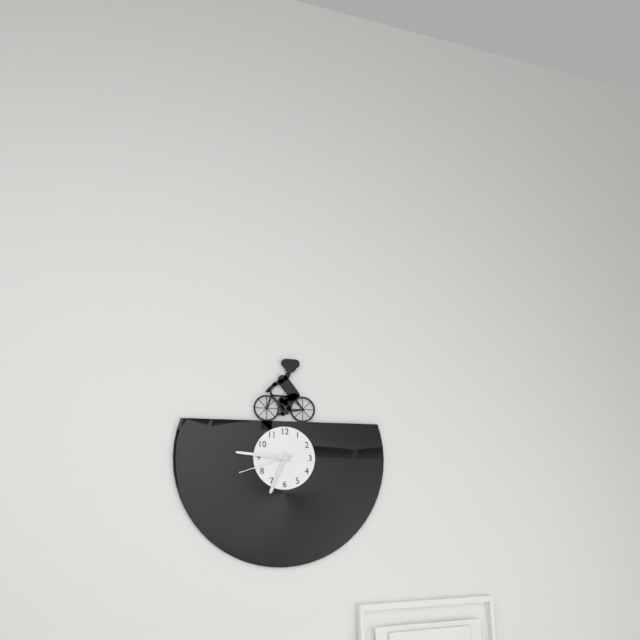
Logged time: **6:46:42**
